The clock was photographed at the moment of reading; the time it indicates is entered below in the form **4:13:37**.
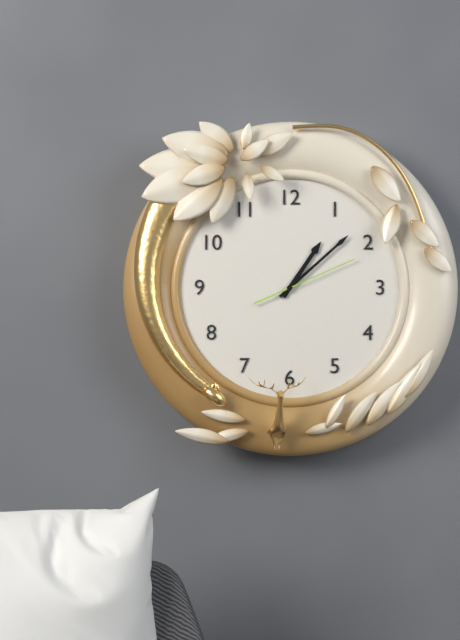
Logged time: **1:08:11**
